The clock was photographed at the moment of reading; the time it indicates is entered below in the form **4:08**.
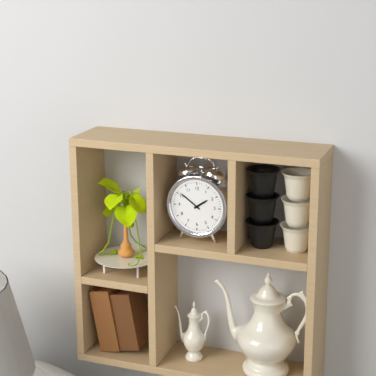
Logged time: **1:51**
